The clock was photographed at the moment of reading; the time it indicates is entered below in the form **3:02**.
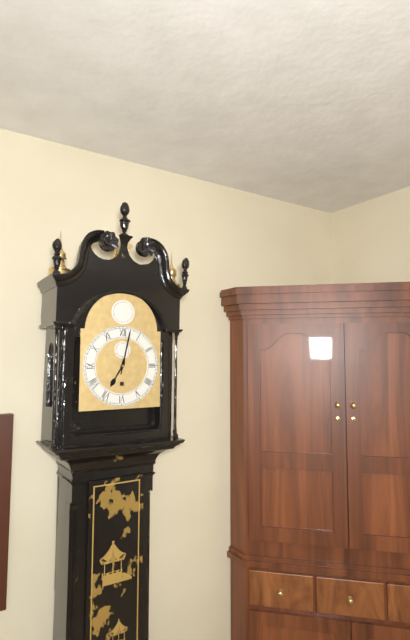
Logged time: **7:02**
